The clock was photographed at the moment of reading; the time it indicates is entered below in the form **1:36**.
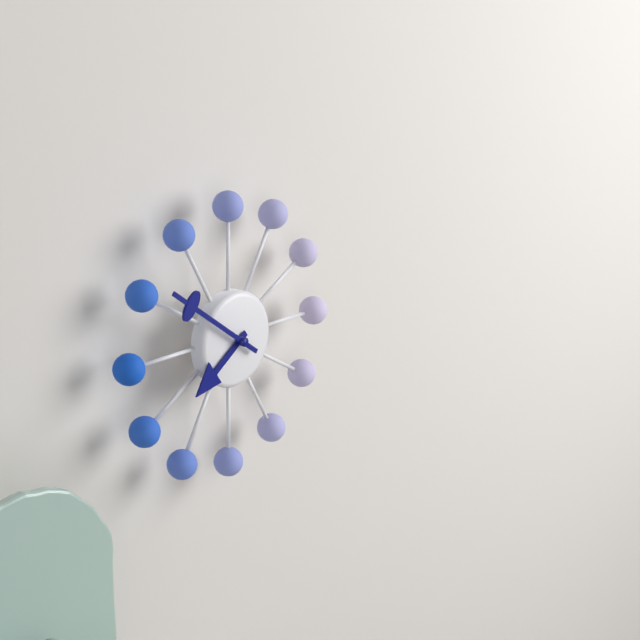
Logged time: **7:51**
